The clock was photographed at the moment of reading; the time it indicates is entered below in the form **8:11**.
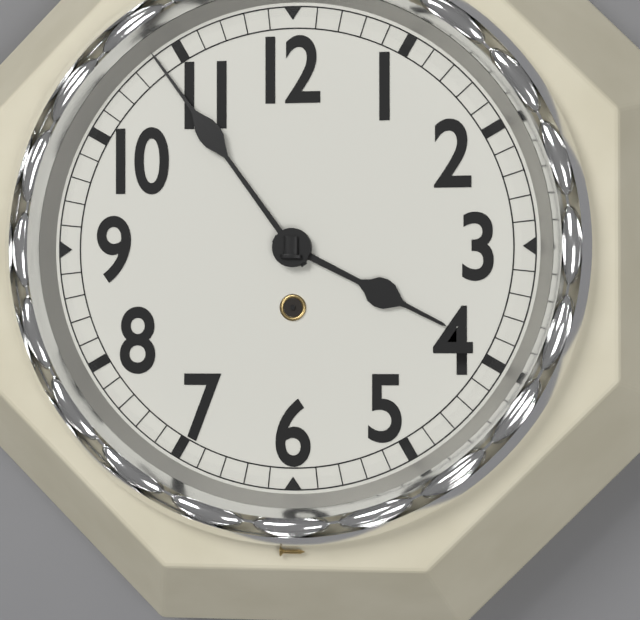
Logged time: **3:54**
